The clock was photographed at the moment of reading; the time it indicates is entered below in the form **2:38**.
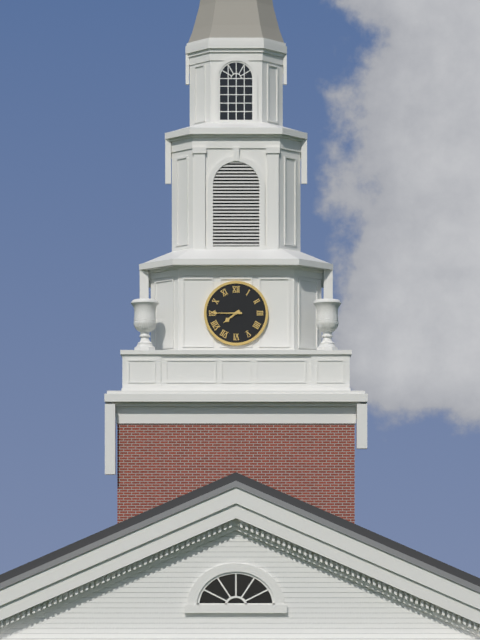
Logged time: **7:45**
